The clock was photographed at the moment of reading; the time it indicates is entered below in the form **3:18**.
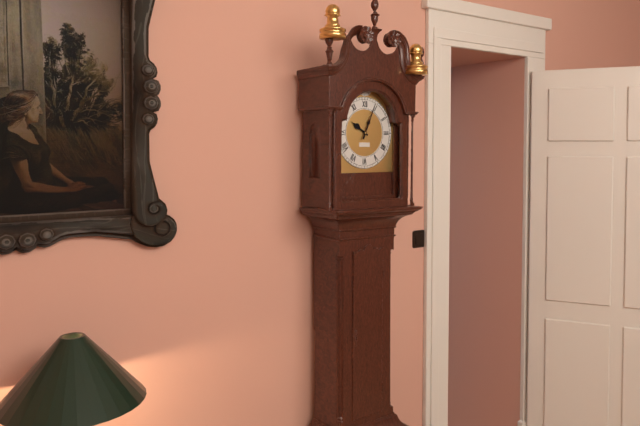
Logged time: **10:04**
